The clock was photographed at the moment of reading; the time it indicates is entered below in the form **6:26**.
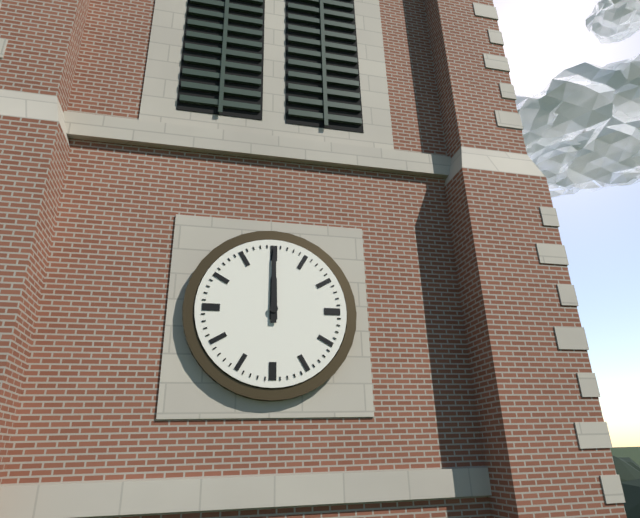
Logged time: **12:00**
